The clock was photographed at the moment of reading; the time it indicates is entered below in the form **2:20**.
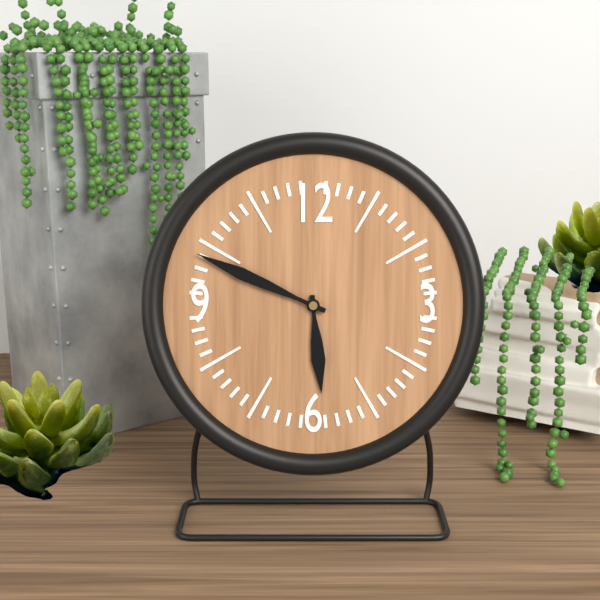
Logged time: **5:49**
